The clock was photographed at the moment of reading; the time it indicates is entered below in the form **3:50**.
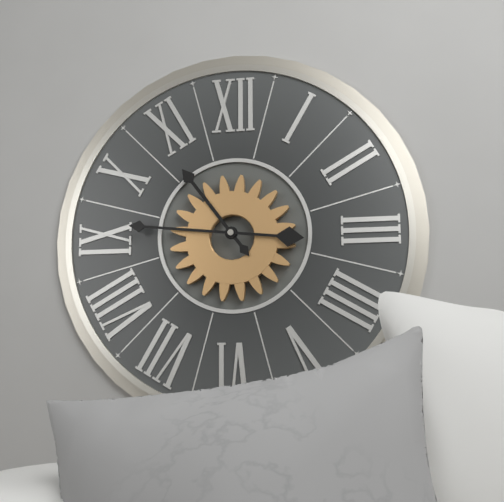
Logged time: **10:46**
